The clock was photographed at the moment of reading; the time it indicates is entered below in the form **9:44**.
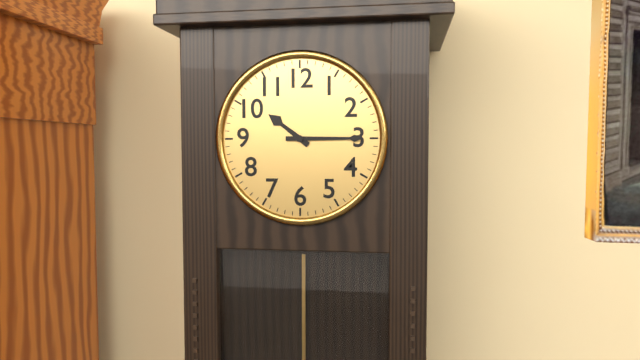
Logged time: **10:15**
